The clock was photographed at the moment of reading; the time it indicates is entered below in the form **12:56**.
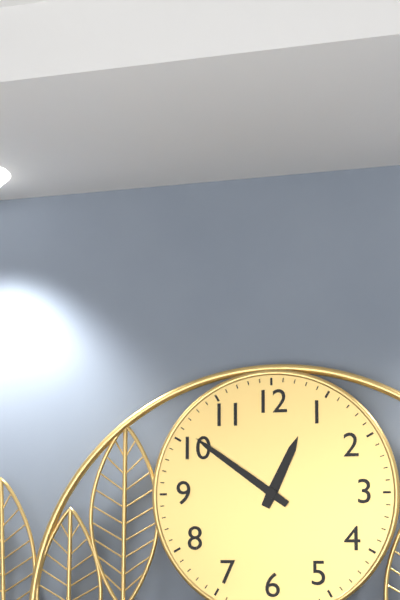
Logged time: **12:51**
